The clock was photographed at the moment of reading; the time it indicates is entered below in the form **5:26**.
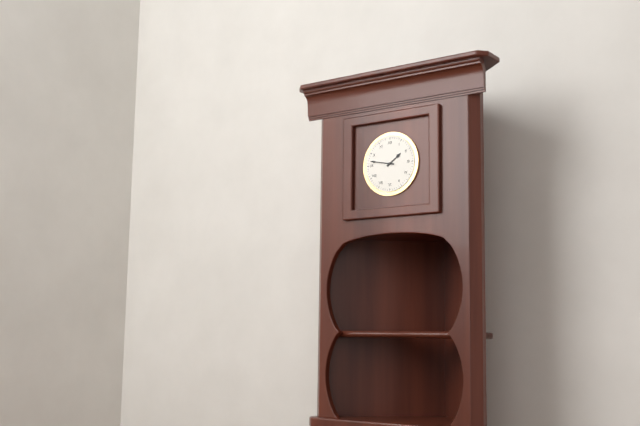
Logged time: **1:47**
